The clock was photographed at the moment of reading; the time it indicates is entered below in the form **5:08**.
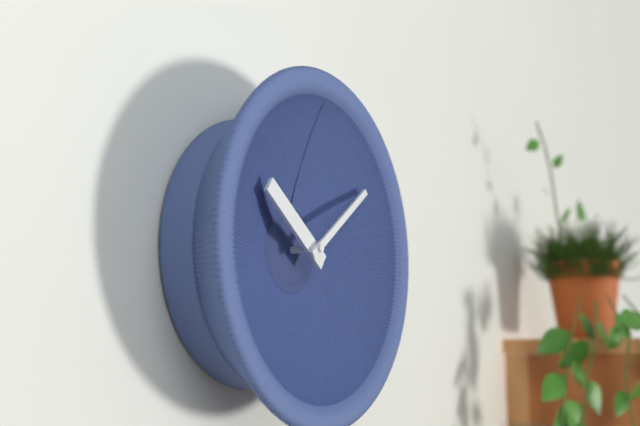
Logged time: **10:09**
